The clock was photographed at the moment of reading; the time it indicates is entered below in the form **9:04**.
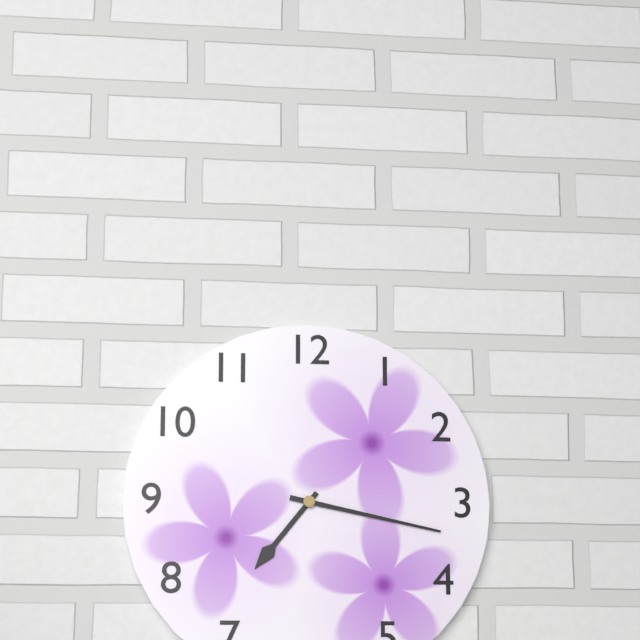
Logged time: **7:17**
